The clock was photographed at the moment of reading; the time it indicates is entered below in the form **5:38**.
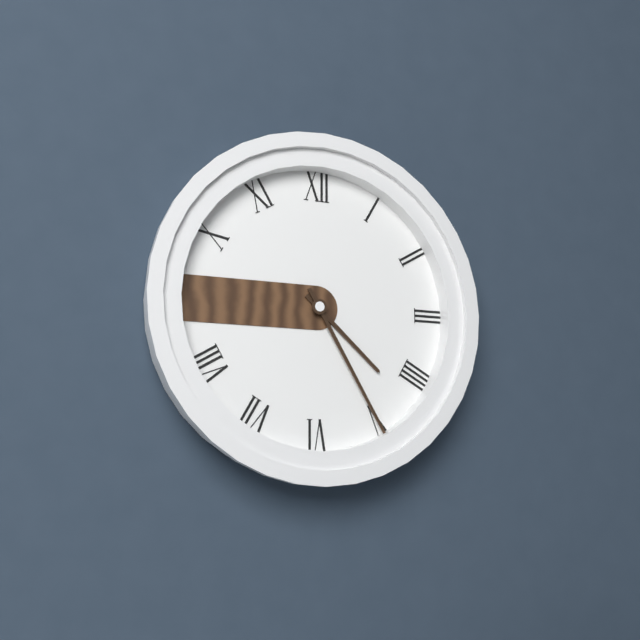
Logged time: **4:25**
